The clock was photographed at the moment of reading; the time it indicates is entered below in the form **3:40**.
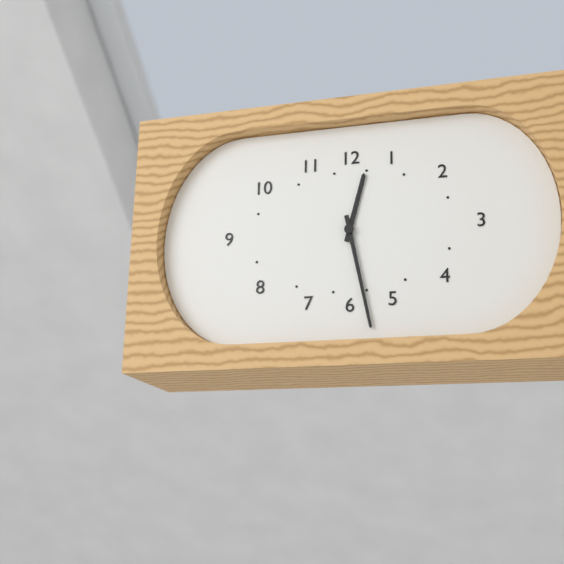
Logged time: **12:28**
